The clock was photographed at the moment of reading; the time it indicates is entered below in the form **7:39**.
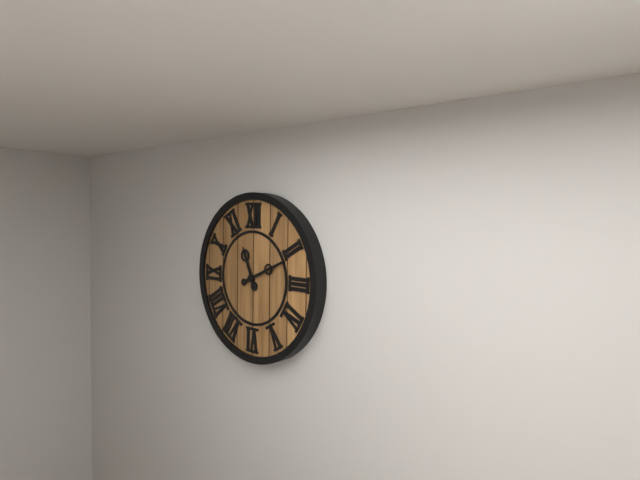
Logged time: **11:11**
